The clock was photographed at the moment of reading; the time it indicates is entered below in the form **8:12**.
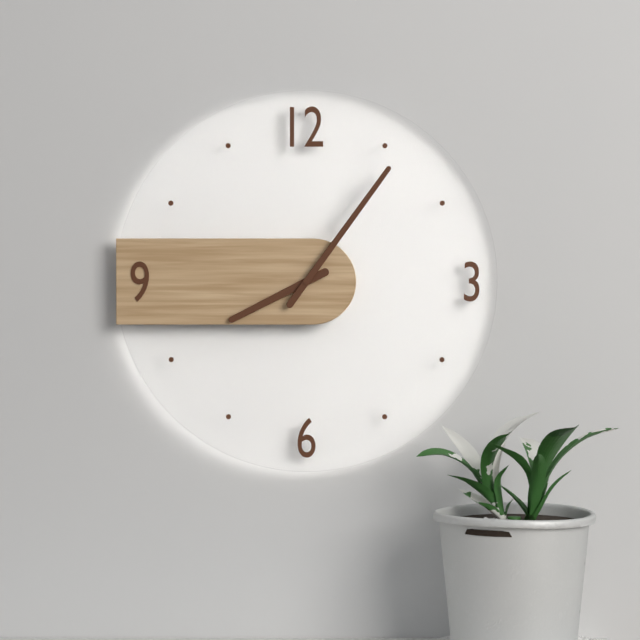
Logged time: **8:06**
